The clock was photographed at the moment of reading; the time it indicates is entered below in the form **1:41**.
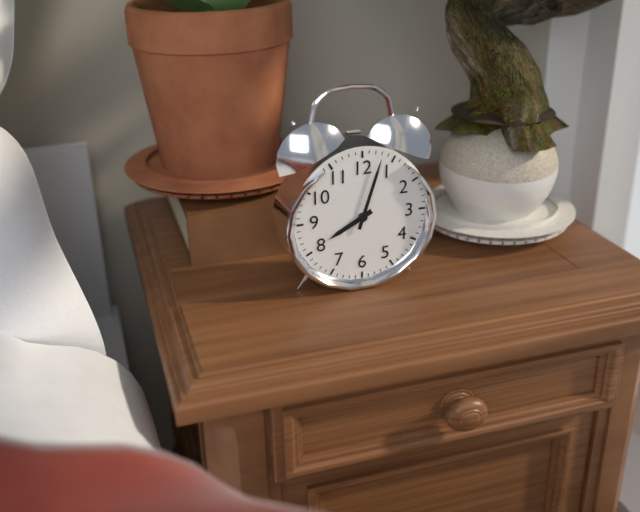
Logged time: **8:03**
